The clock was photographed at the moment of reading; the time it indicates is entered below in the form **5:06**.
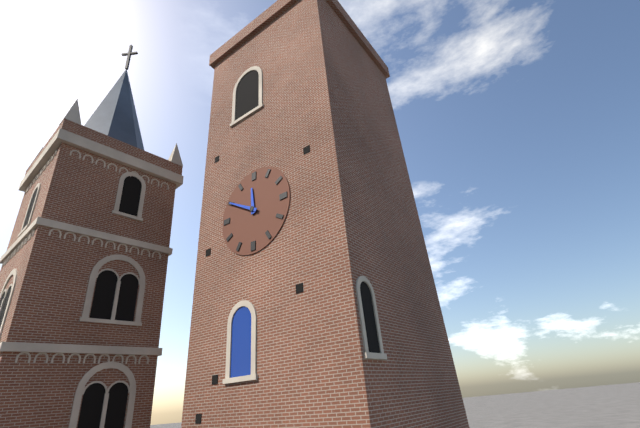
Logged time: **11:50**
